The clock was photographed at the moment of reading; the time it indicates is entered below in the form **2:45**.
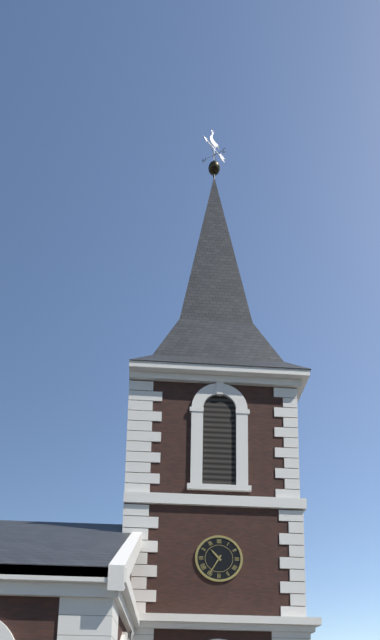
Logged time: **10:35**
